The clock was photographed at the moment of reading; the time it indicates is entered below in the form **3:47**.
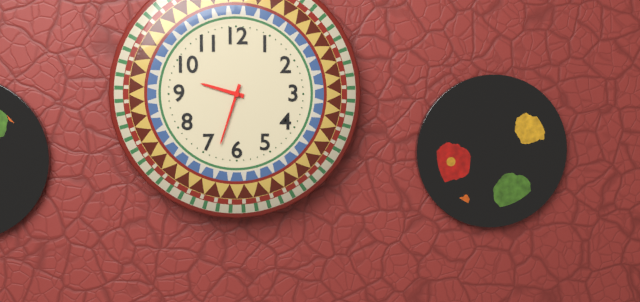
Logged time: **9:33**
